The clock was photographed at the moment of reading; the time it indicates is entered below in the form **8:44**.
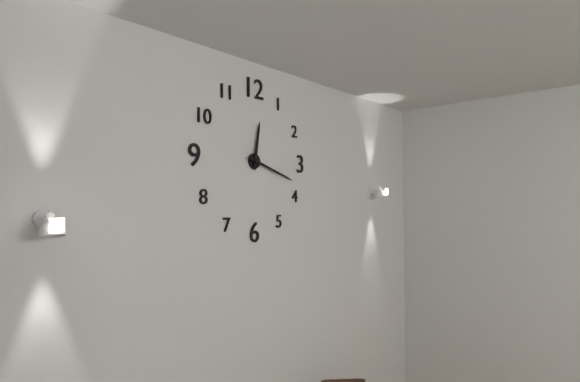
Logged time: **12:18**
